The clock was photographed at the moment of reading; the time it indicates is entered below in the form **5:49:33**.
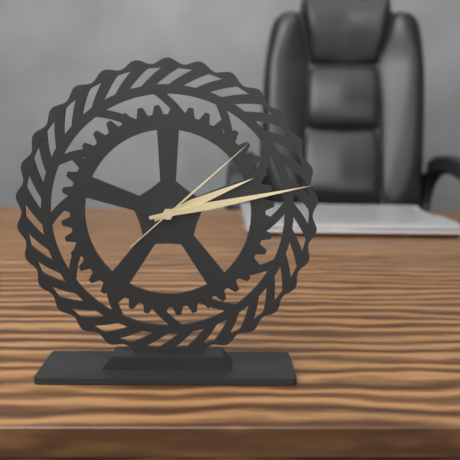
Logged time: **2:13:08**
